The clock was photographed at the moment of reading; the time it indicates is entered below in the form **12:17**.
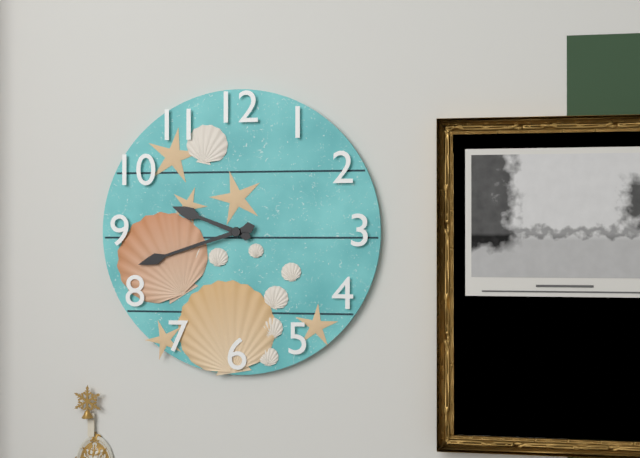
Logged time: **9:42**
